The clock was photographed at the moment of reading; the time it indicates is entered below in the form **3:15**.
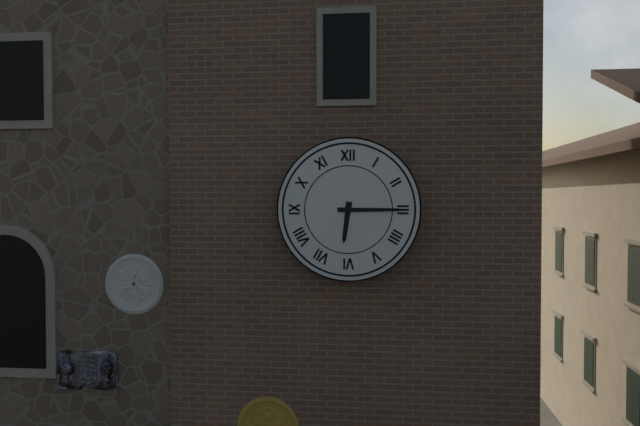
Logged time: **6:15**
